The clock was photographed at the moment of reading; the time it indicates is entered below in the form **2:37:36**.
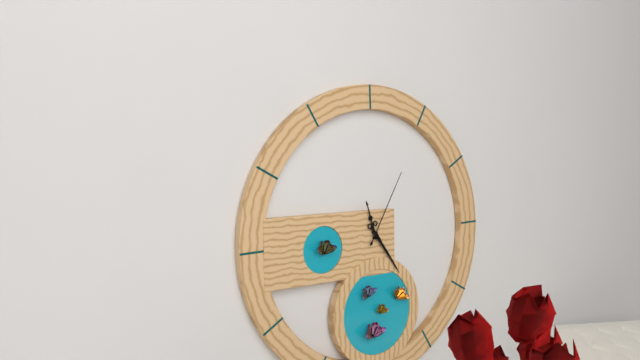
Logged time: **11:24:05**
